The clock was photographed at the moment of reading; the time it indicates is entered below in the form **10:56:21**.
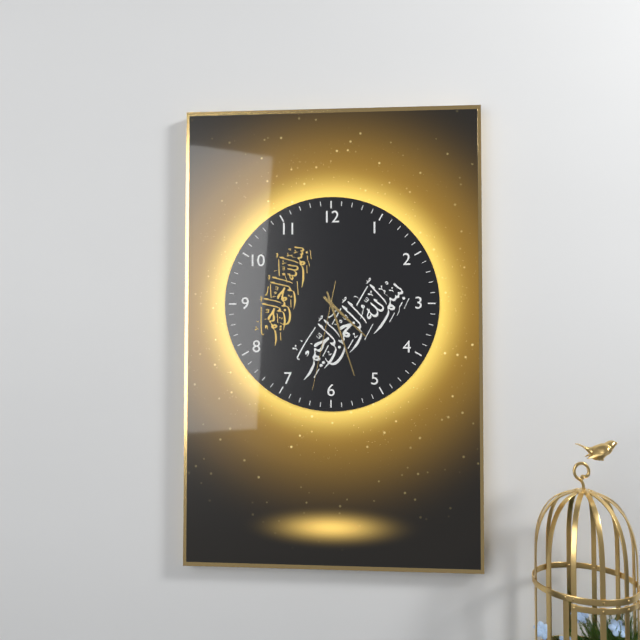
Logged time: **4:27:32**
